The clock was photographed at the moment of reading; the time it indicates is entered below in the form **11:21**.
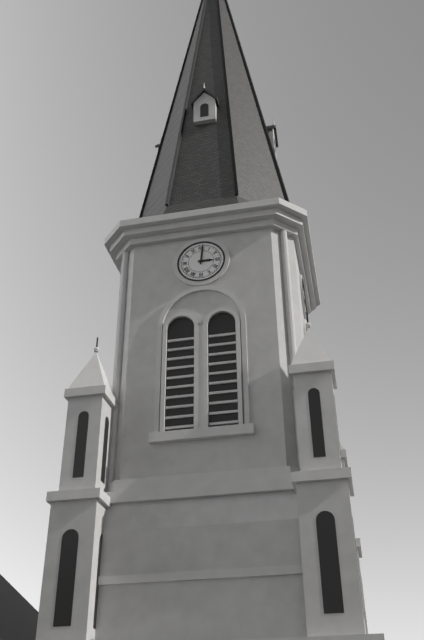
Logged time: **3:01**
